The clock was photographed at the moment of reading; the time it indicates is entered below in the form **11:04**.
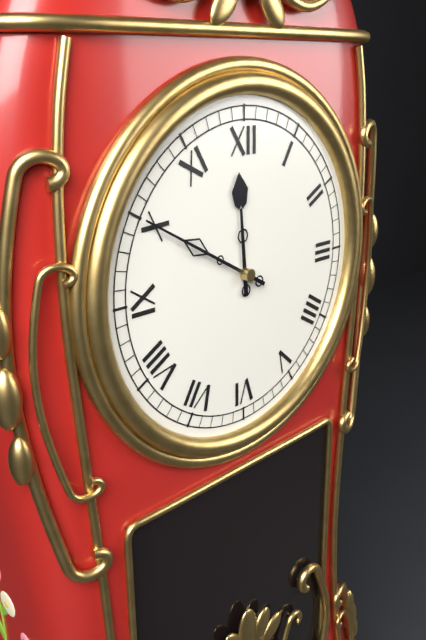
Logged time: **11:50**
